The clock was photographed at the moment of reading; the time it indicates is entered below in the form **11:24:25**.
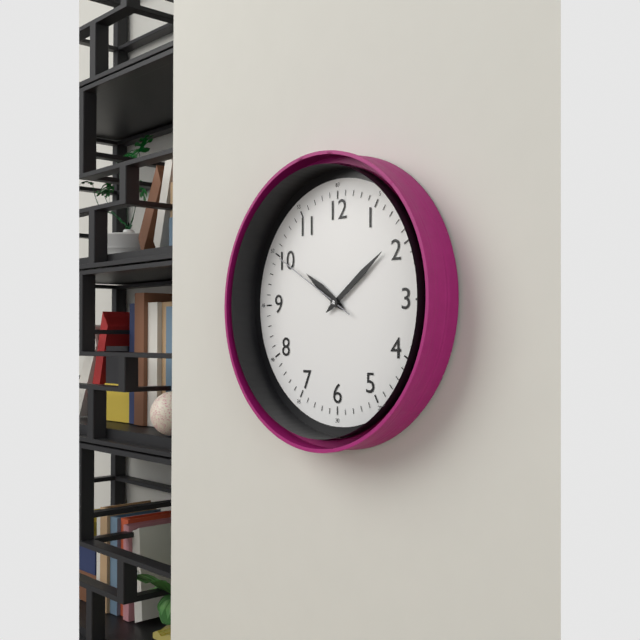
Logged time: **10:09:50**
